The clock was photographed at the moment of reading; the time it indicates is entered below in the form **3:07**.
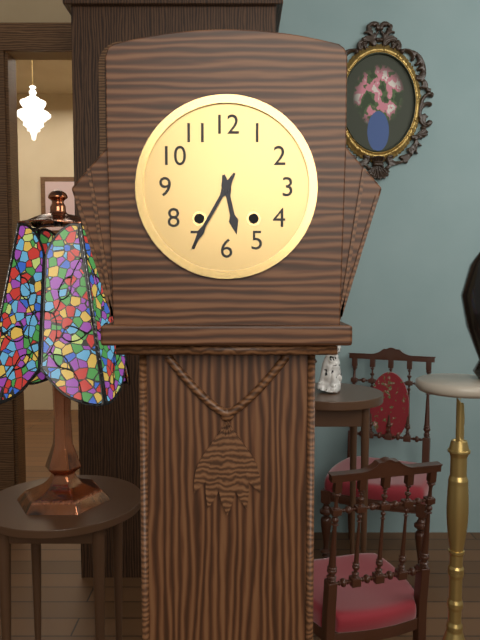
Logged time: **5:35**
